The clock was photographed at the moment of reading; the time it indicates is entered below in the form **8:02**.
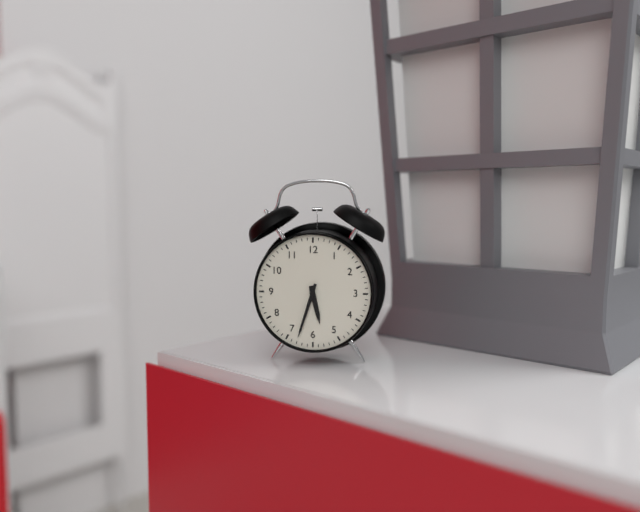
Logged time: **5:33**
